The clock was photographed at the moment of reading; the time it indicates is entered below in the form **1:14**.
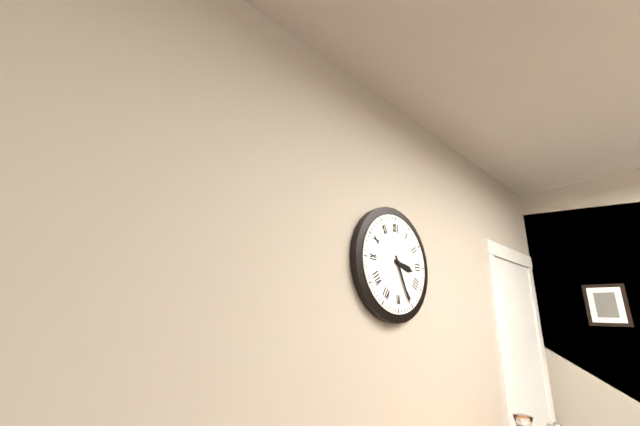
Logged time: **3:26**
